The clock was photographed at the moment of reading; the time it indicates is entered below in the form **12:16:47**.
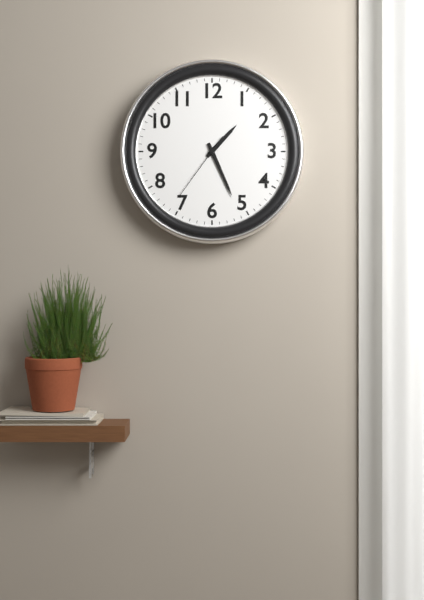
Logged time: **1:26:36**
